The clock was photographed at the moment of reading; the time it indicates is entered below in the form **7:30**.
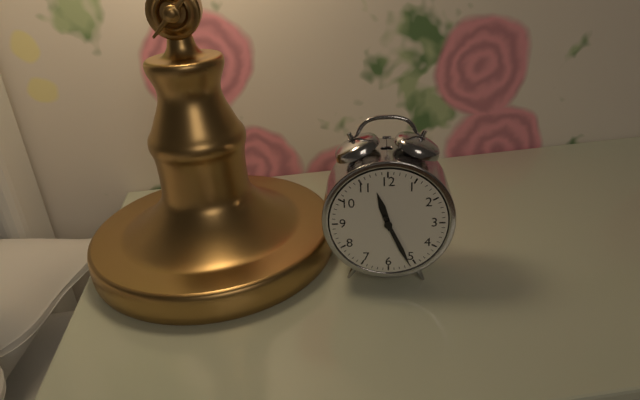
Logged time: **11:26**
